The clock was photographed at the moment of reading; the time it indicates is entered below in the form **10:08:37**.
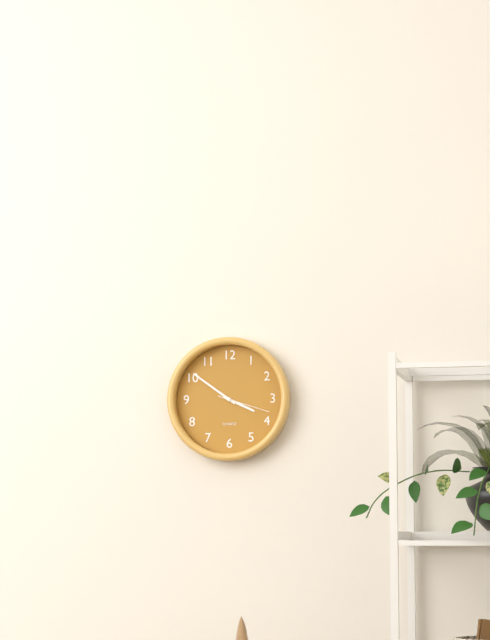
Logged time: **3:51:18**
